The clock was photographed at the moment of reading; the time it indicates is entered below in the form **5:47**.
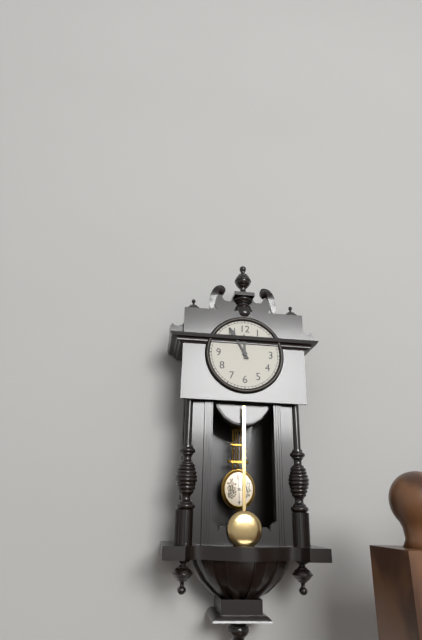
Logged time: **11:55**
